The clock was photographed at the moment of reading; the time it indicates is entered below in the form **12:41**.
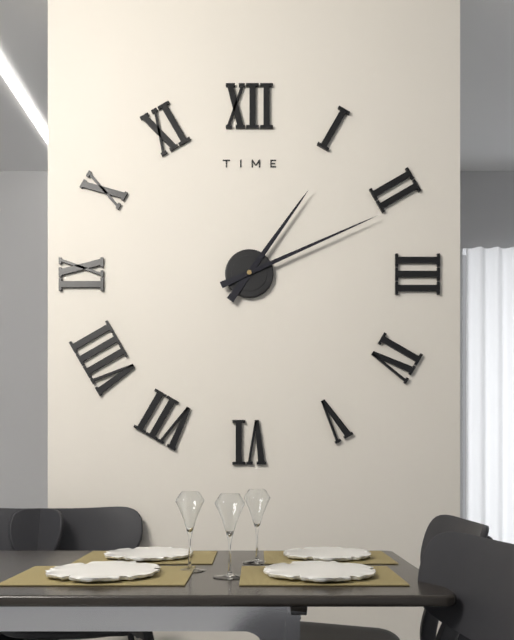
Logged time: **1:11**
